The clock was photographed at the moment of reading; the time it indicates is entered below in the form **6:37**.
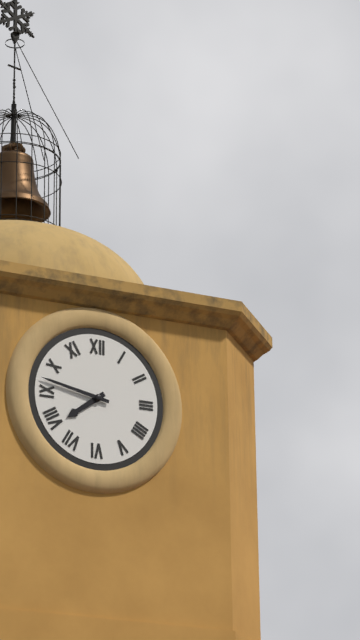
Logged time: **7:47**
